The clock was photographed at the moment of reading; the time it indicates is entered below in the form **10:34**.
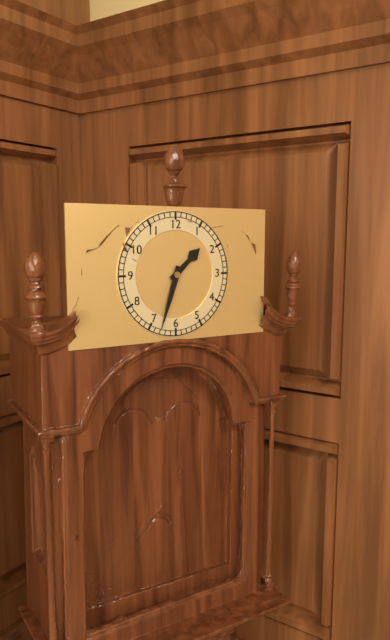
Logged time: **1:33**
